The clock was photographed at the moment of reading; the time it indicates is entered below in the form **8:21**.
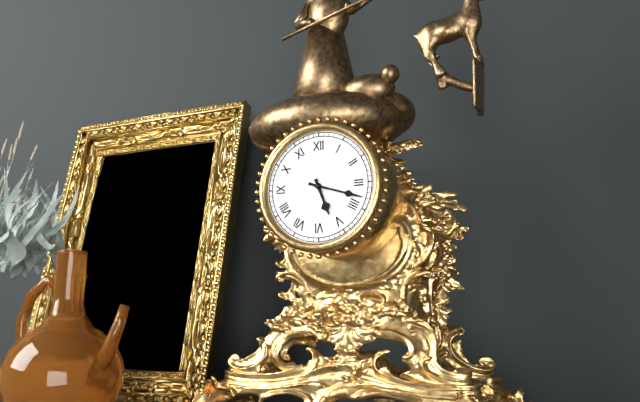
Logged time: **5:18**
